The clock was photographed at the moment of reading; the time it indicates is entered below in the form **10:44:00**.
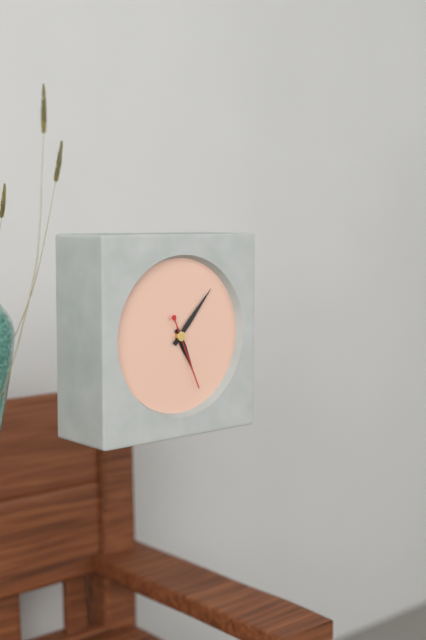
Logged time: **5:07:26**
